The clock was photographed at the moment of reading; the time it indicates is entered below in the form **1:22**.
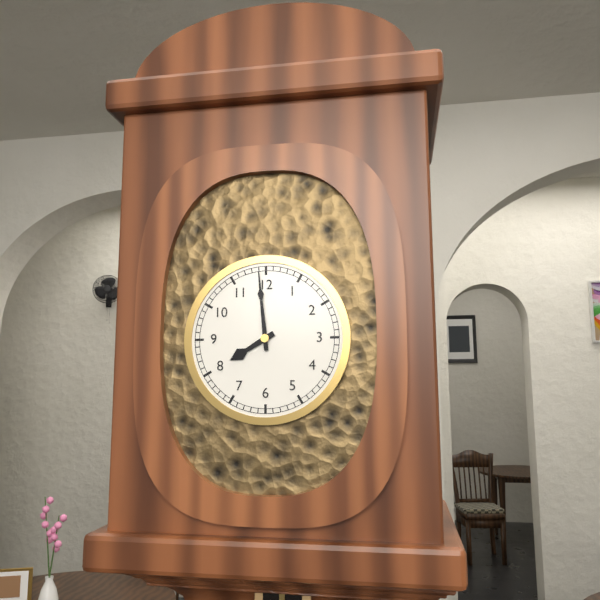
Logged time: **7:59**
